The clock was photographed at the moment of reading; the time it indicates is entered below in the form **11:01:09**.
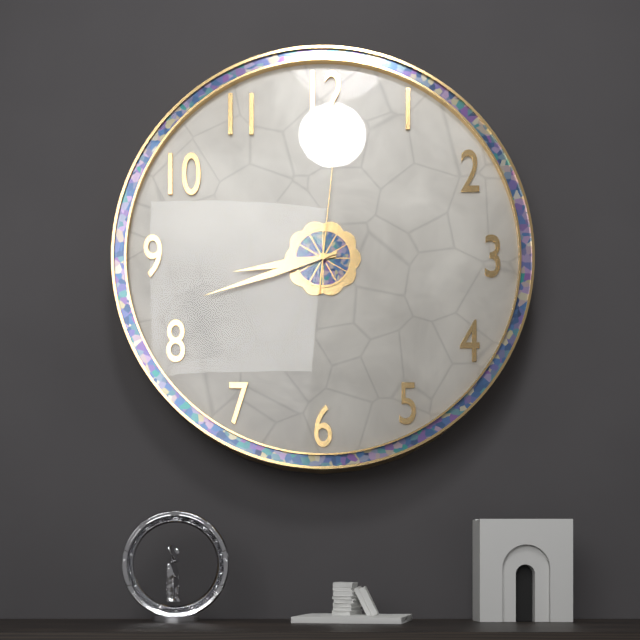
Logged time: **8:42:01**
